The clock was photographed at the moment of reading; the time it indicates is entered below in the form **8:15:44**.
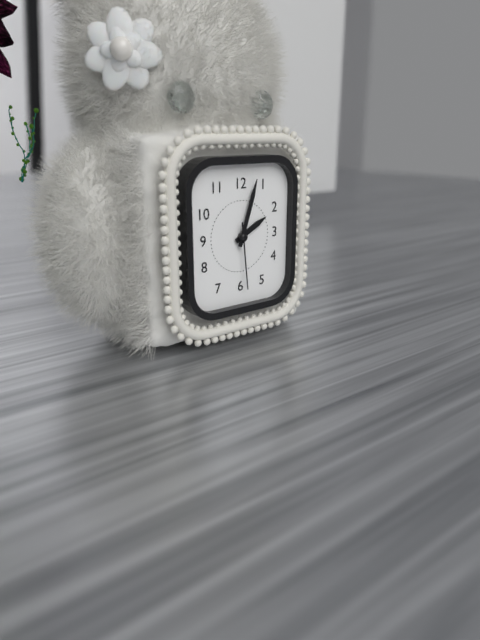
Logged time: **2:03:29**
